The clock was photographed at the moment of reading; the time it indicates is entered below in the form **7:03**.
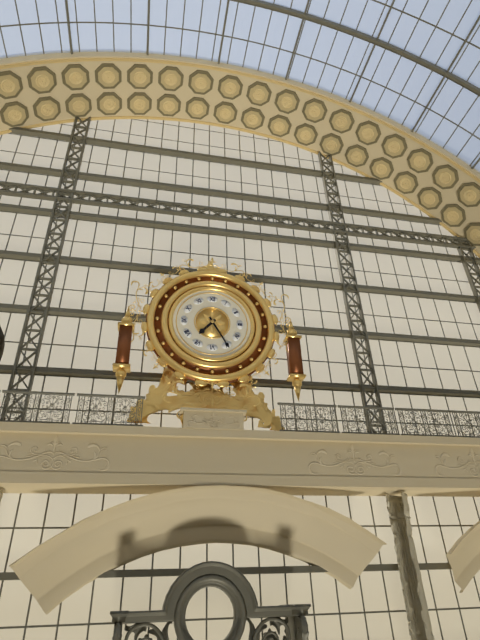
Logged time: **7:25**
